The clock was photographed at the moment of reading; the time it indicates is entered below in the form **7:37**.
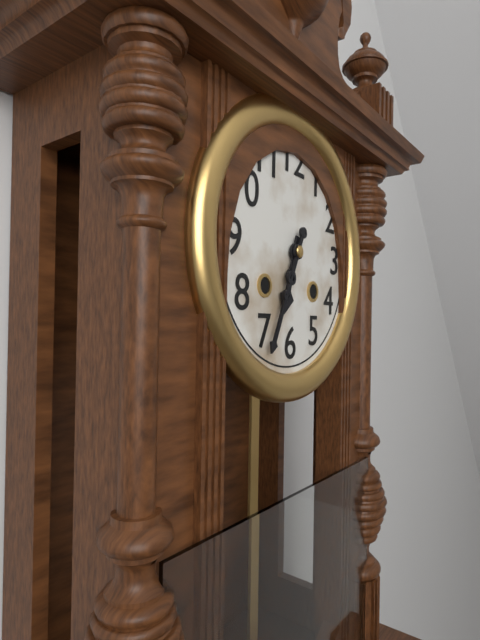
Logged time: **6:34**
